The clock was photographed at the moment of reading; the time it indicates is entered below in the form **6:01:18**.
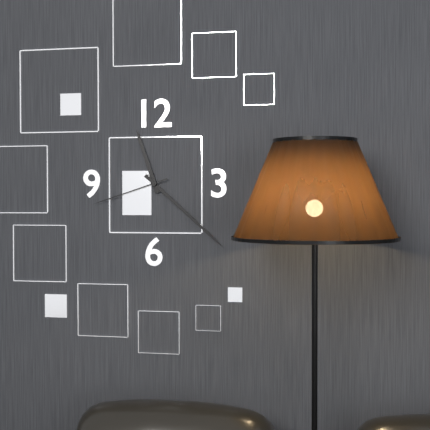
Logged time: **11:22:42**
